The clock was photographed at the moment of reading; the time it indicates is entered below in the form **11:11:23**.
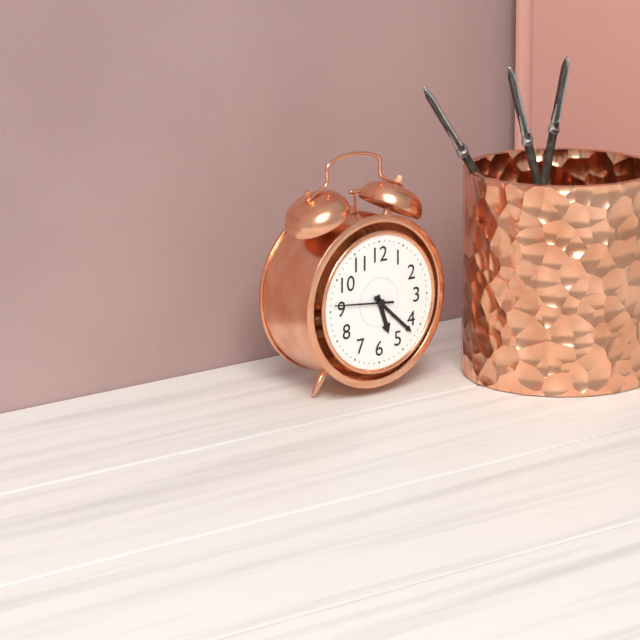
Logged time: **5:22:46**
